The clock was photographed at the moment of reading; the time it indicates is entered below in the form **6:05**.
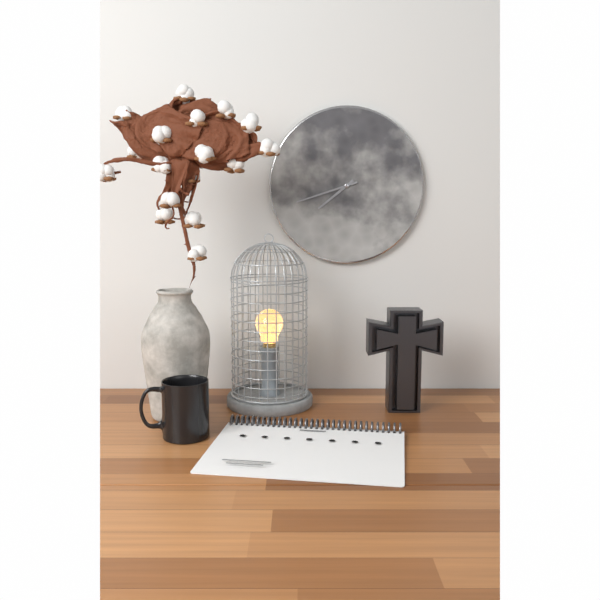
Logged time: **7:42**
